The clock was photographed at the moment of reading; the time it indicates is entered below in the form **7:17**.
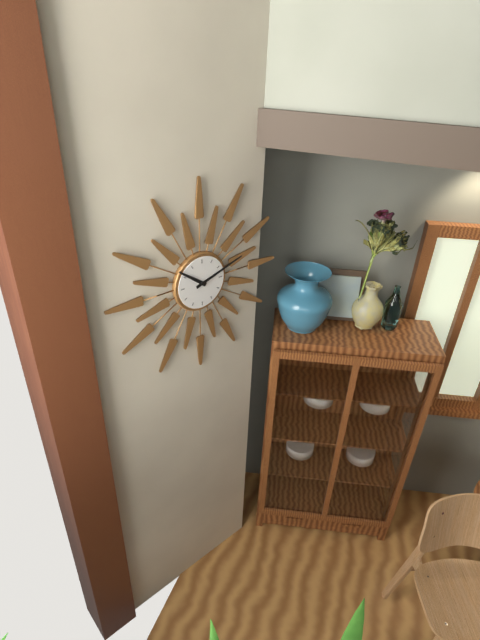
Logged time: **10:12**
